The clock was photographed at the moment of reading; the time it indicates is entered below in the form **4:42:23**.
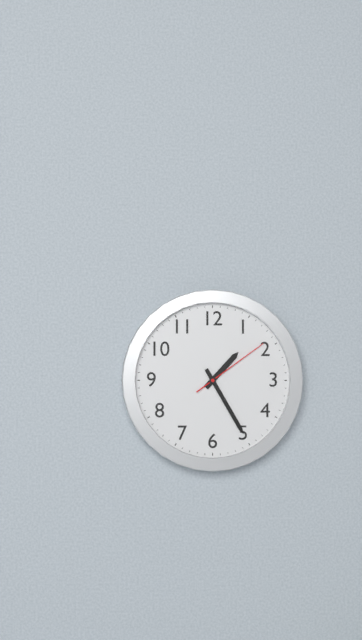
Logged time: **1:25:09**
